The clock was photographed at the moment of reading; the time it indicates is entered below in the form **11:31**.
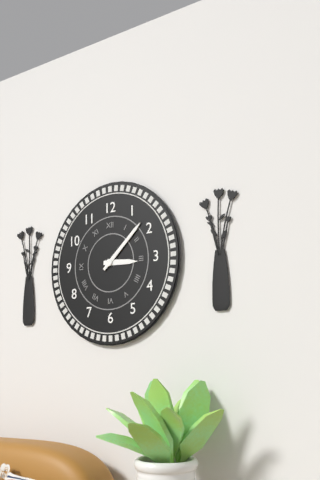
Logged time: **3:08**
